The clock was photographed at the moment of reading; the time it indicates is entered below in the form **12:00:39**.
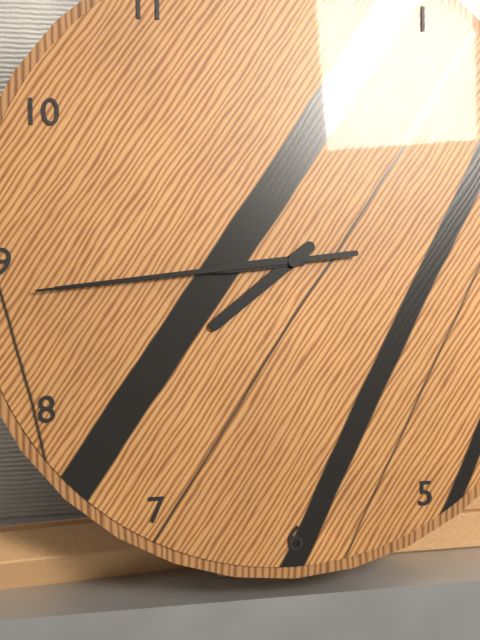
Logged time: **7:44:44**
